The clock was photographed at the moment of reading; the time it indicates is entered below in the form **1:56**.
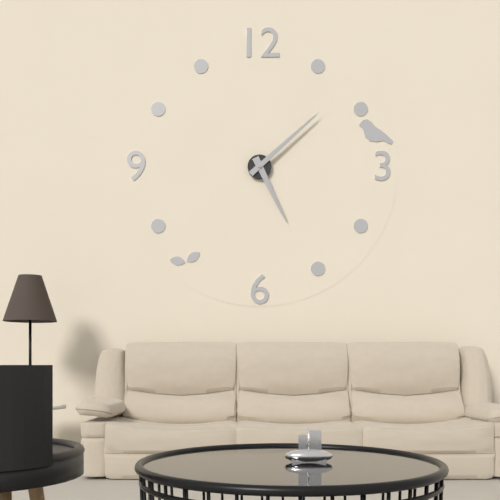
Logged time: **5:08**
